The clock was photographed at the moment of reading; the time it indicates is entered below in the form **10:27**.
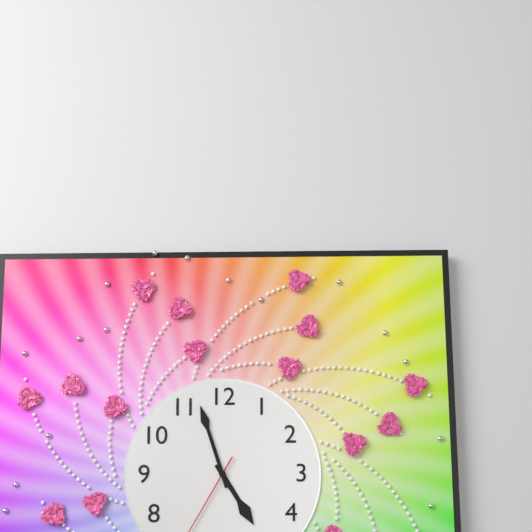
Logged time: **4:57**
